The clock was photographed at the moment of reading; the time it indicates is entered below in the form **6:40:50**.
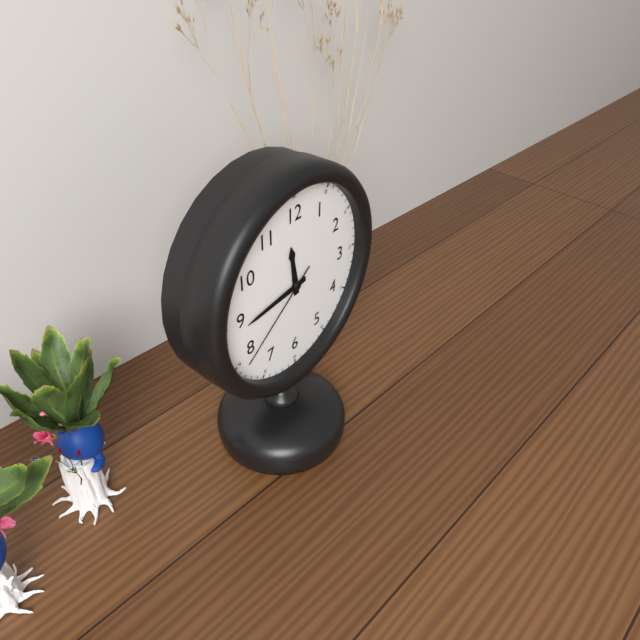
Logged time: **11:44:39**
